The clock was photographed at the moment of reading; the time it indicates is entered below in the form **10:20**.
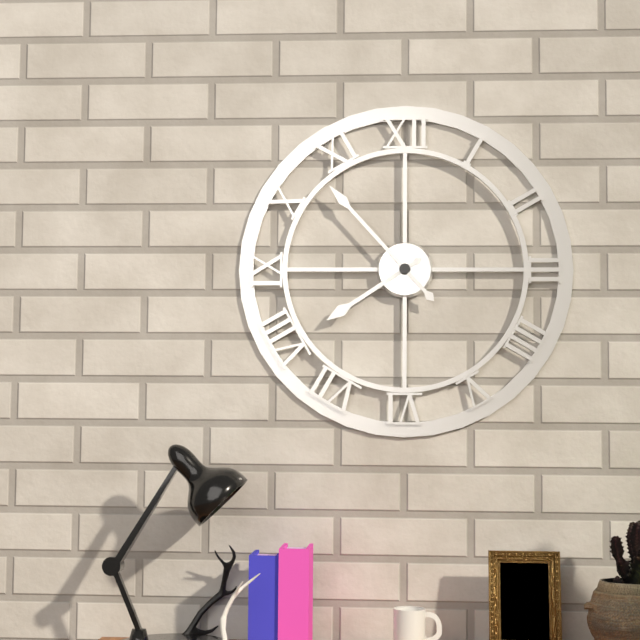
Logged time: **7:53**
